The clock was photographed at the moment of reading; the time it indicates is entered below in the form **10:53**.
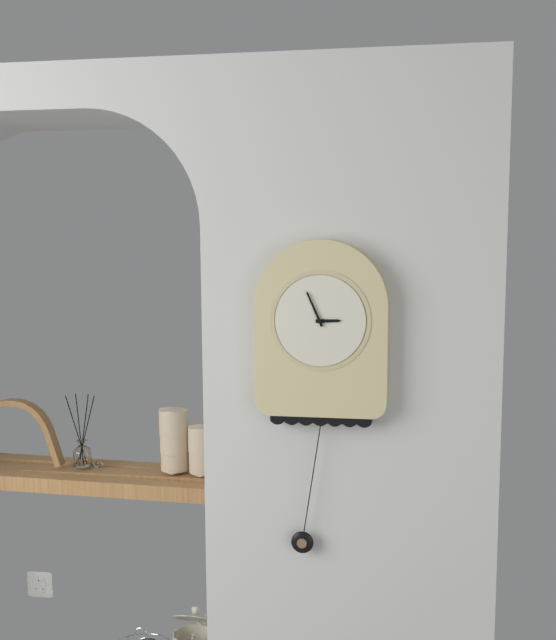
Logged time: **2:56**
